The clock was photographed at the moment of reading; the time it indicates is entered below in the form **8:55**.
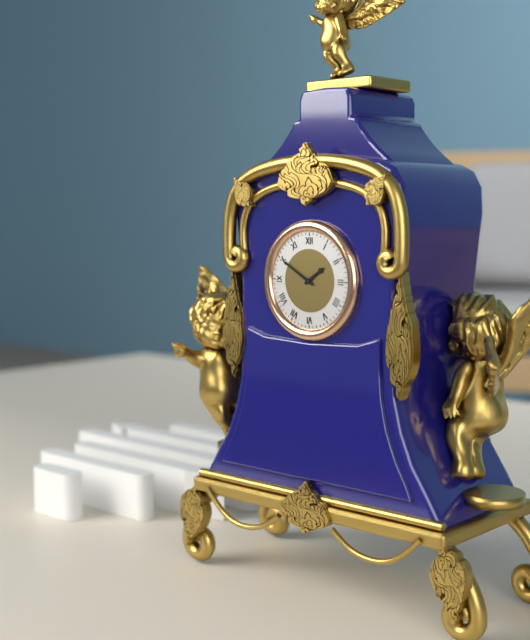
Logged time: **1:50**
